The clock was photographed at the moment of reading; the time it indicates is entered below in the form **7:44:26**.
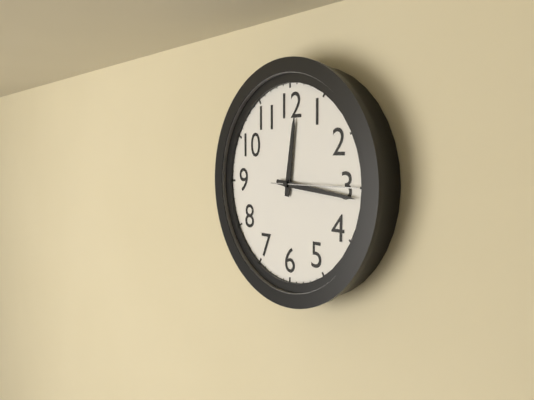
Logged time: **12:16:15**
